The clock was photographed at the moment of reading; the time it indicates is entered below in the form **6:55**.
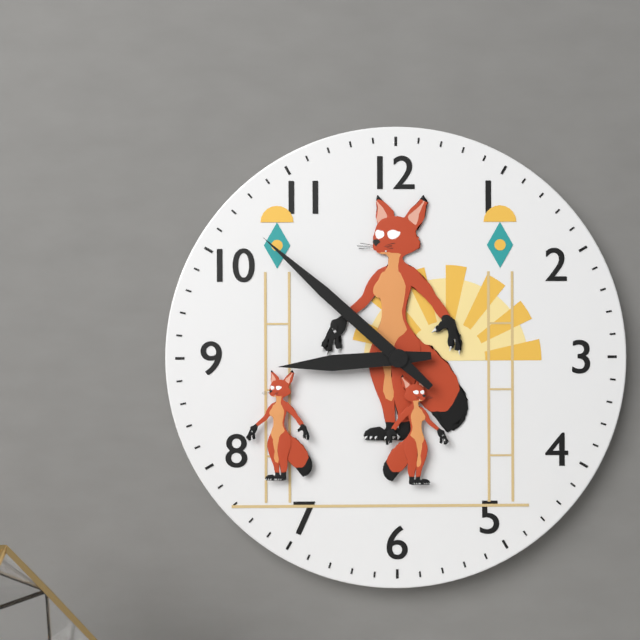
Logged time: **8:52**
